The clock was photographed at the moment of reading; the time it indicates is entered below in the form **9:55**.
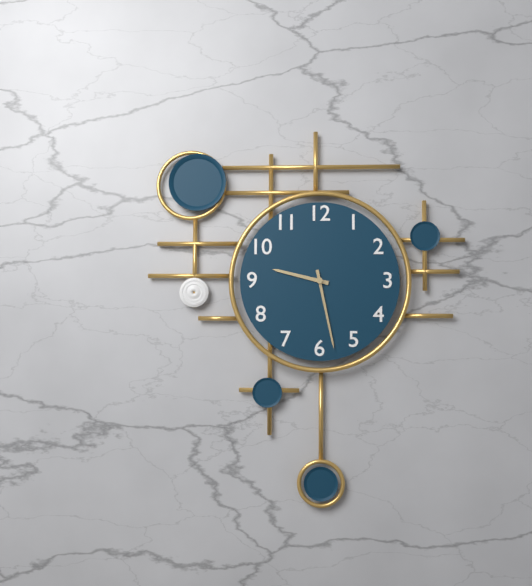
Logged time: **9:28**
